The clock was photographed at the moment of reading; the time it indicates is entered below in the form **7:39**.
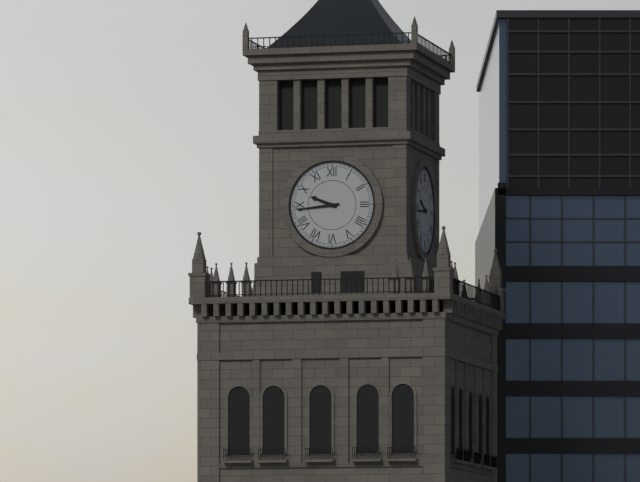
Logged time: **9:44**
